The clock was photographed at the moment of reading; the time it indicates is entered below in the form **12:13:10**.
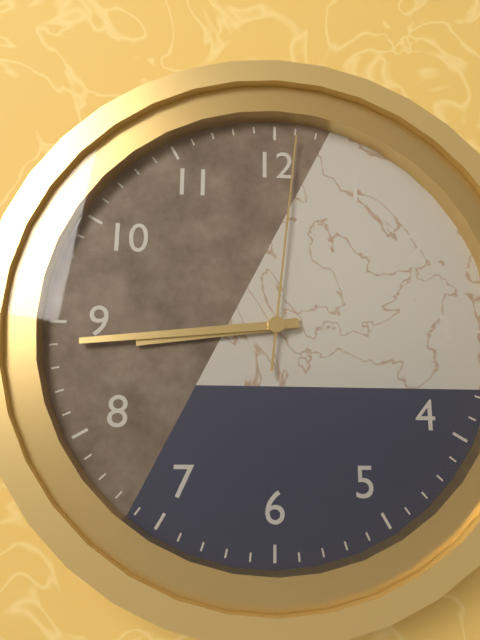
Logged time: **8:44:01**
